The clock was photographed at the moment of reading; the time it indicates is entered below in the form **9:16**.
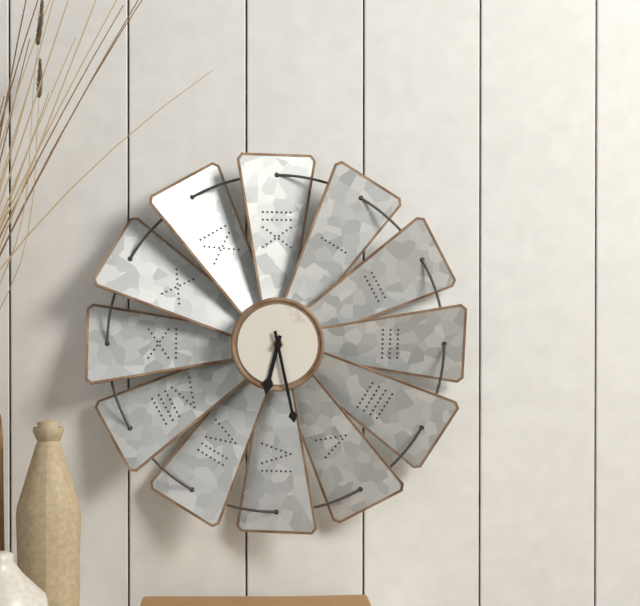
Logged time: **6:28**
